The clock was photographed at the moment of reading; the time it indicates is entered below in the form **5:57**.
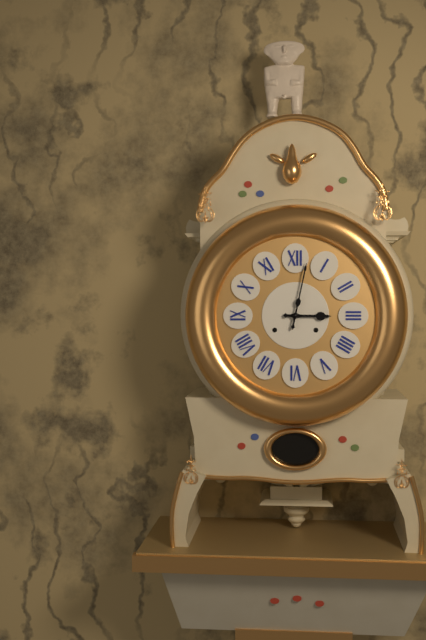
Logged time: **3:02**
